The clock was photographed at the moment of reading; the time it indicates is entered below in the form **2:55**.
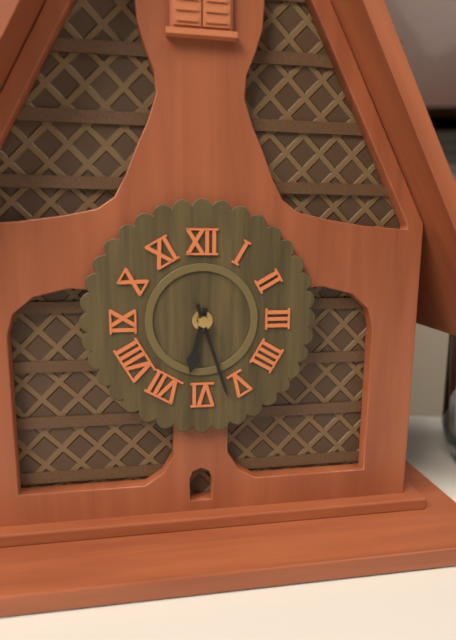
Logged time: **6:27**
